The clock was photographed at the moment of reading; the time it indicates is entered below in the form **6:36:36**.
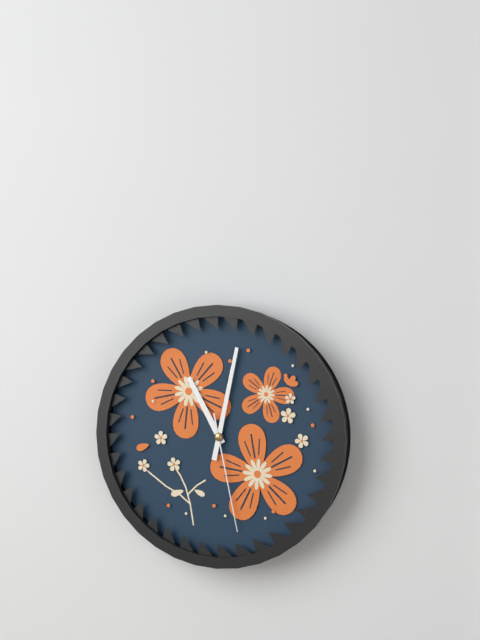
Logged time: **11:02:28**
